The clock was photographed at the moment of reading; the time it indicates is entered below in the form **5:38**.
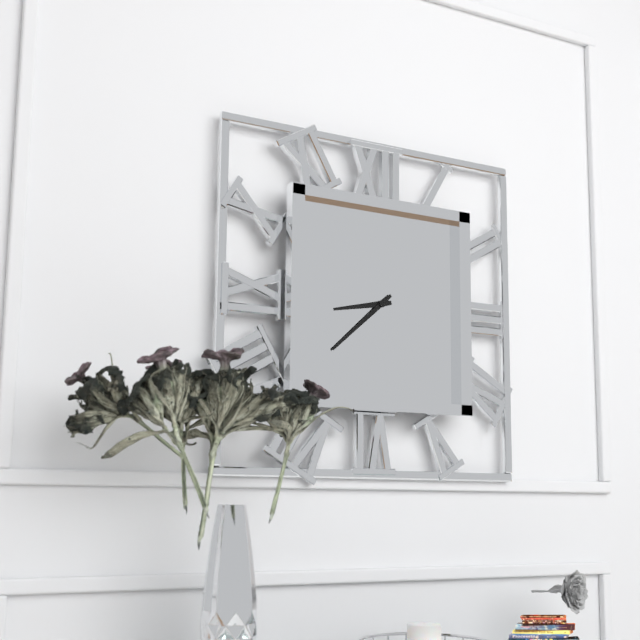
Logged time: **8:38**
